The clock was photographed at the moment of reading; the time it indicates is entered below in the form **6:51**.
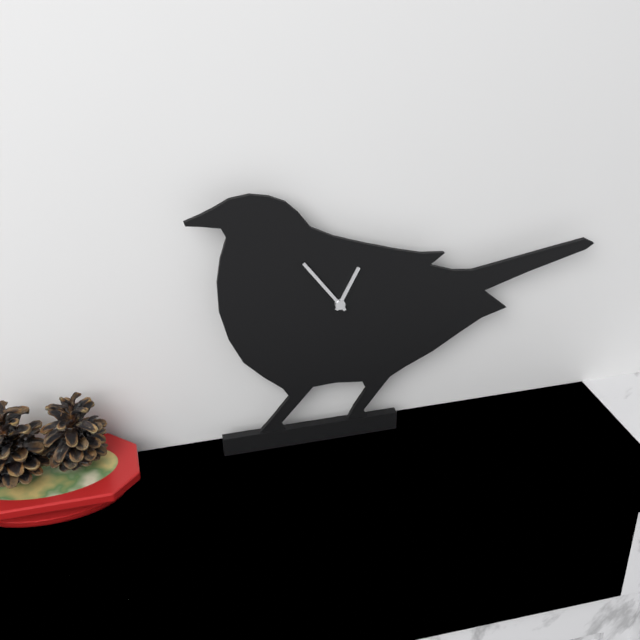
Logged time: **12:54**
